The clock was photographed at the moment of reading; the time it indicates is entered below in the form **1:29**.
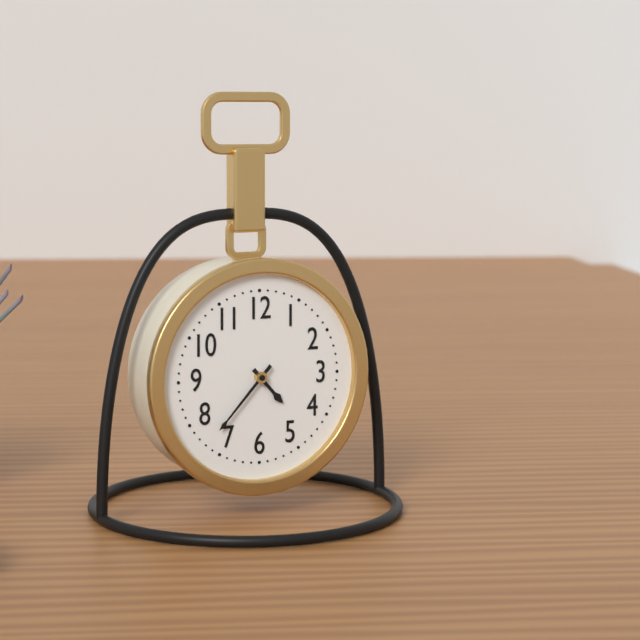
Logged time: **4:37**
